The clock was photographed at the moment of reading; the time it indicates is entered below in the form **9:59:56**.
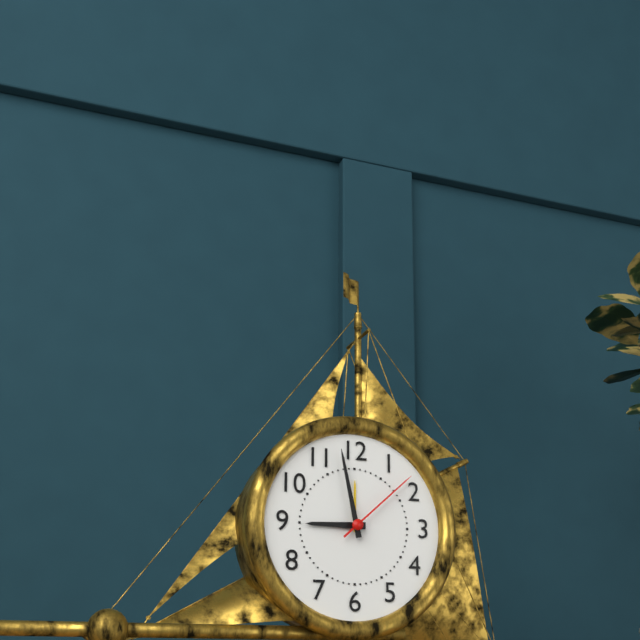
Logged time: **8:58:08**
